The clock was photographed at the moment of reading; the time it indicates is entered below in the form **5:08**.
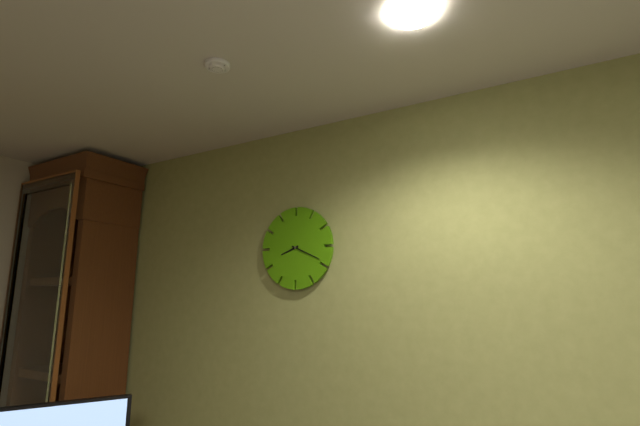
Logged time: **8:19**
